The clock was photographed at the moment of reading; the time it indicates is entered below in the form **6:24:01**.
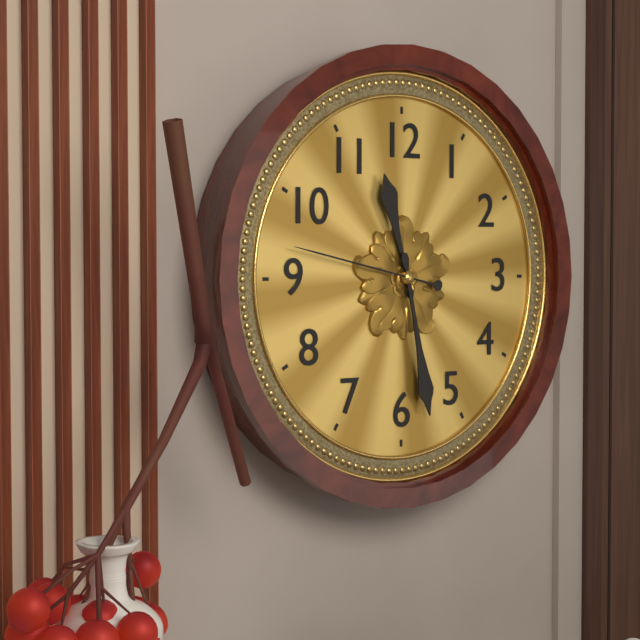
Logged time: **11:28:47**
